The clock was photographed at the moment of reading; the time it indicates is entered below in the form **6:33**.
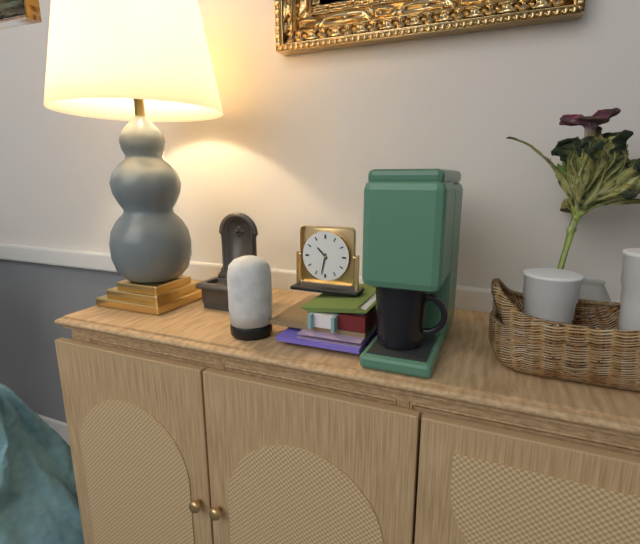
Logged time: **10:32**
